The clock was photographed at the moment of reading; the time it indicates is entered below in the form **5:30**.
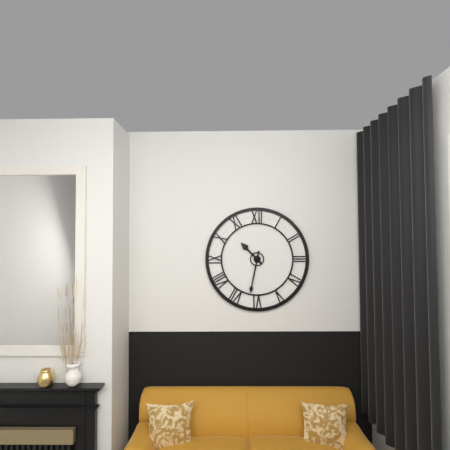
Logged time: **10:32**
